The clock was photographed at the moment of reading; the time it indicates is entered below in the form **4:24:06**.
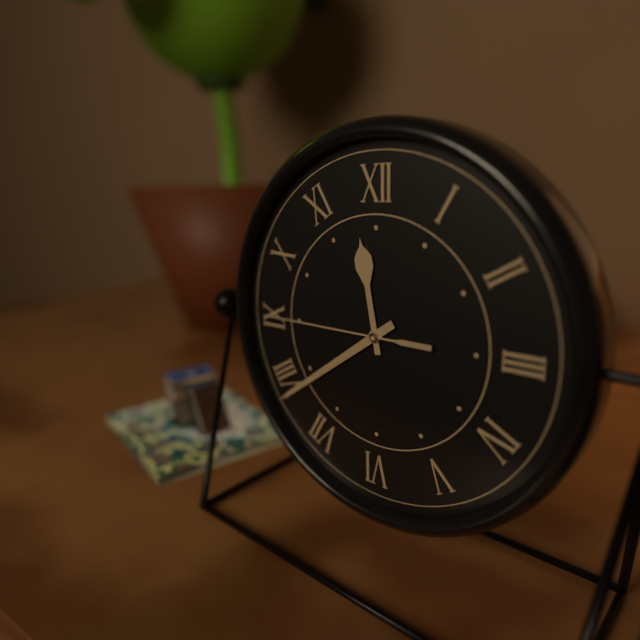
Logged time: **11:39:45**
